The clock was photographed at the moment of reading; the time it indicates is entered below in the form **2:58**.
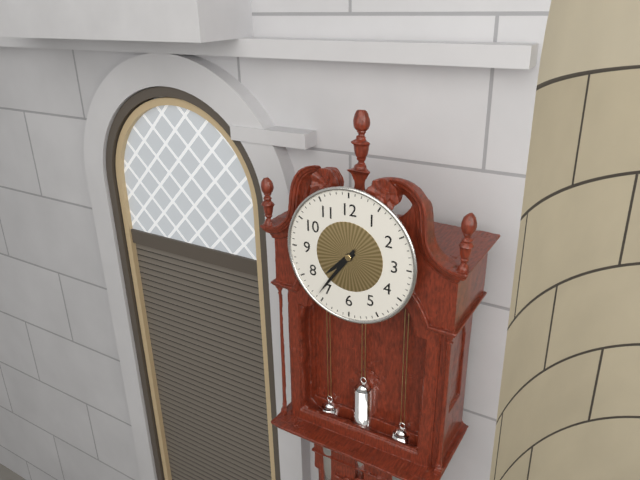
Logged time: **7:36**
